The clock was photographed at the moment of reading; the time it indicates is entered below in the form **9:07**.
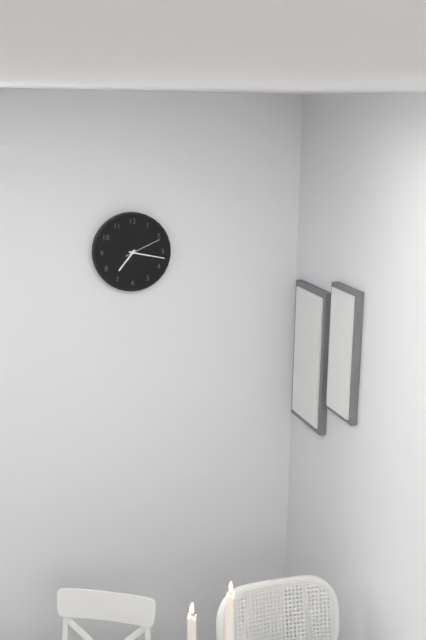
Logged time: **7:17**
